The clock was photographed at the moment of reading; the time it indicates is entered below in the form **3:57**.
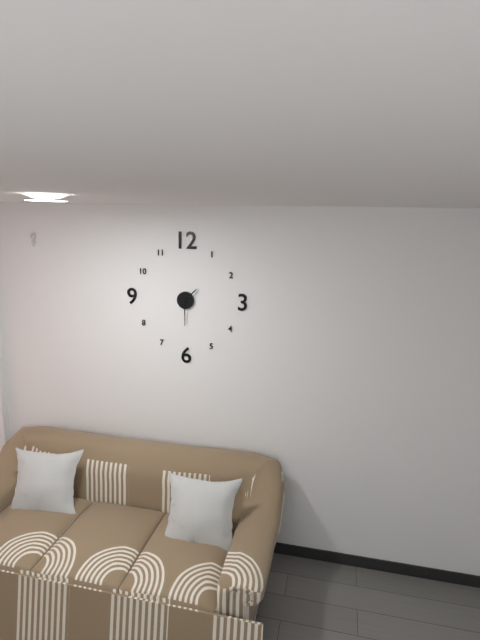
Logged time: **1:30**
